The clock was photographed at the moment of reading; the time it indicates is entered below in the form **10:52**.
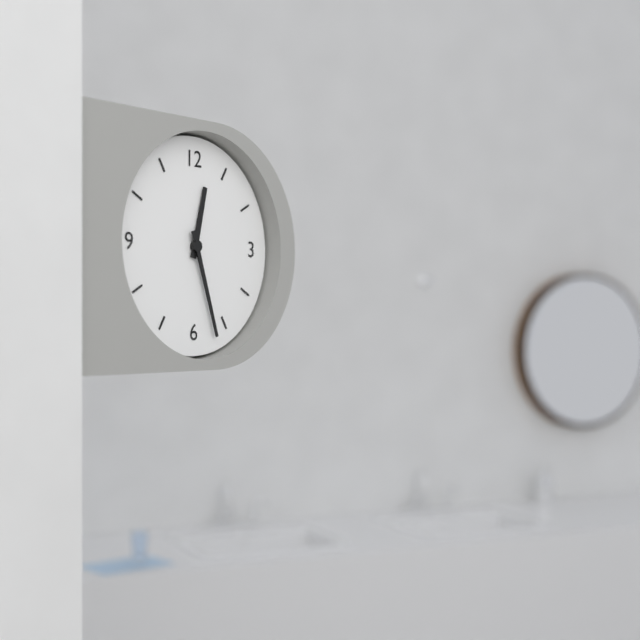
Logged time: **12:27**
